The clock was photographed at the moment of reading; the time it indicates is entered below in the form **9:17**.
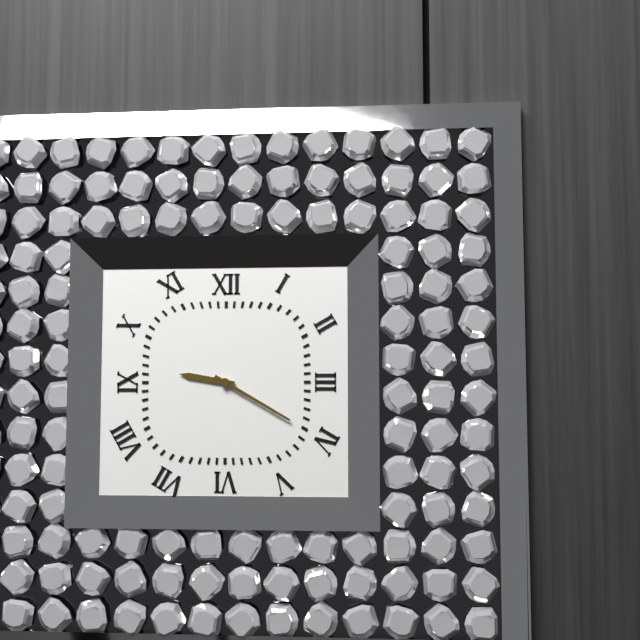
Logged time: **9:20**
